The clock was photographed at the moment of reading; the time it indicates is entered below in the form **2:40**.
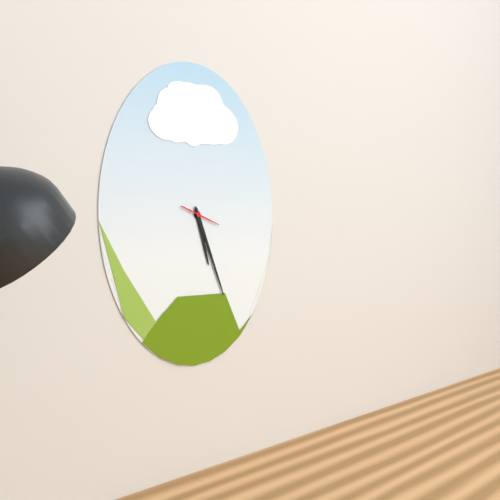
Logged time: **5:26**
